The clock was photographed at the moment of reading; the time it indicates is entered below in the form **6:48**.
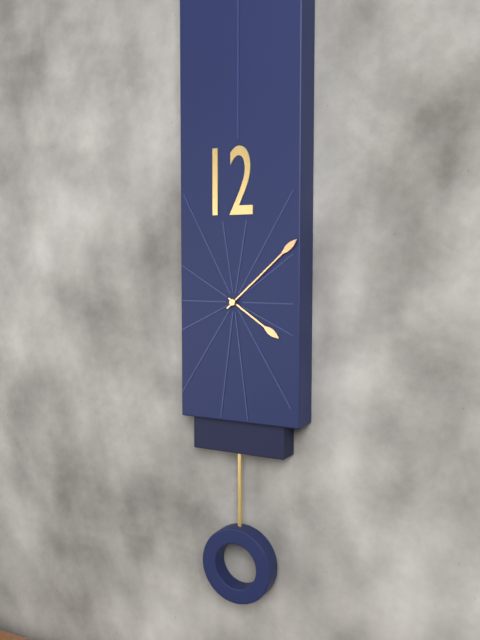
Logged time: **4:08**
